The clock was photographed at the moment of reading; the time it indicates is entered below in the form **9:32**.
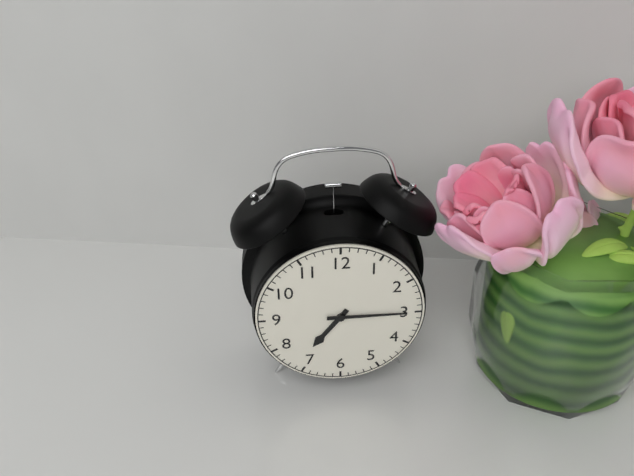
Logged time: **7:15**
